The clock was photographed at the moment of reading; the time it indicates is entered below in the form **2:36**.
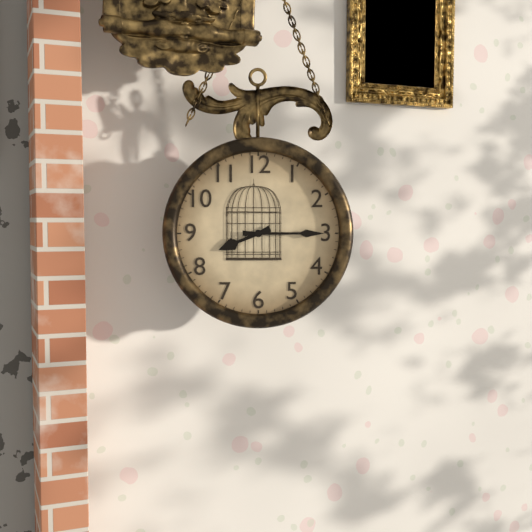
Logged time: **8:15**
